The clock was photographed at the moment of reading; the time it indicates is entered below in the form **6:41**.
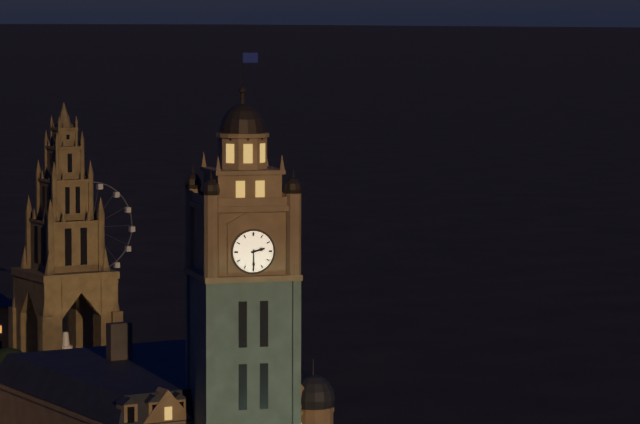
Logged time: **2:30**
